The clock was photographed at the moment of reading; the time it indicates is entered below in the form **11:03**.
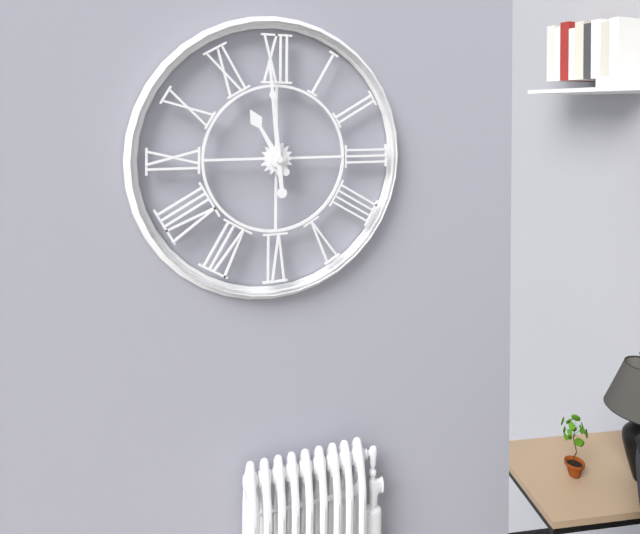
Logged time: **10:59**
